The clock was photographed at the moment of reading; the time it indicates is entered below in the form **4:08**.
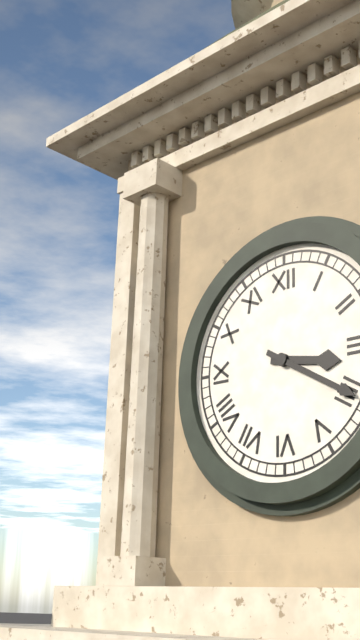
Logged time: **3:20**
